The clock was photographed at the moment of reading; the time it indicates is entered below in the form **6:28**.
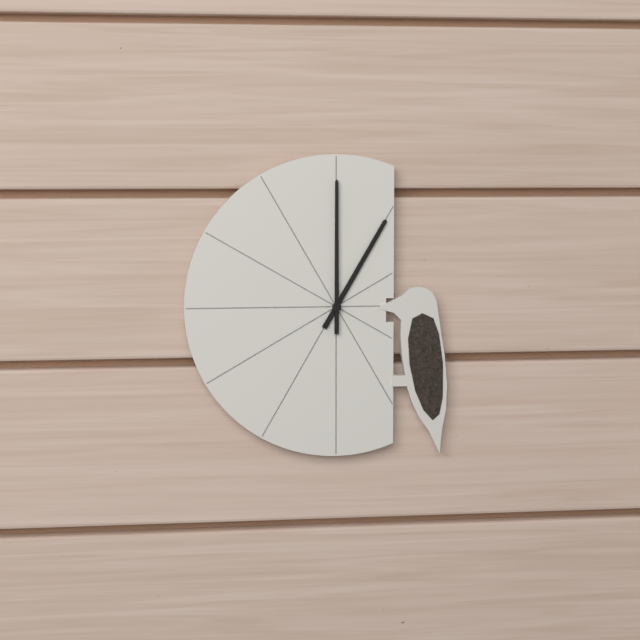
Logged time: **1:00**
